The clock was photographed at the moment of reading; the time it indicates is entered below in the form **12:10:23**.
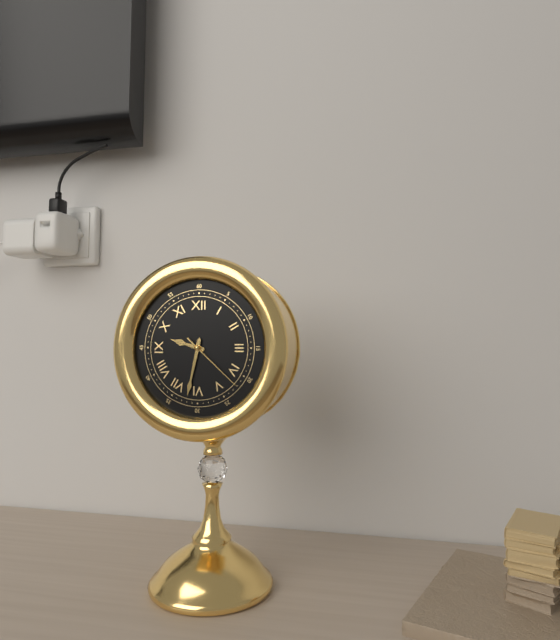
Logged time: **9:32:22**
